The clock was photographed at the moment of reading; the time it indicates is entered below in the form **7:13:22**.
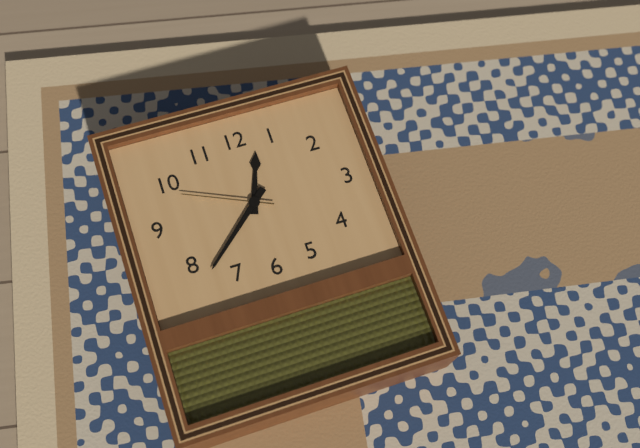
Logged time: **12:38:49**
